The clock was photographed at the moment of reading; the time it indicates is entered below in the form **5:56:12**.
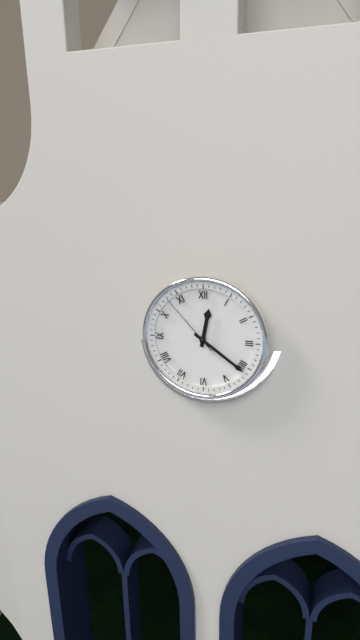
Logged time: **12:21:53**
